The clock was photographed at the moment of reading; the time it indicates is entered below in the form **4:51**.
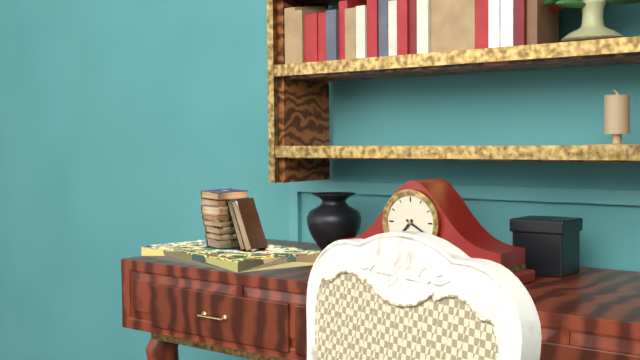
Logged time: **7:20**
